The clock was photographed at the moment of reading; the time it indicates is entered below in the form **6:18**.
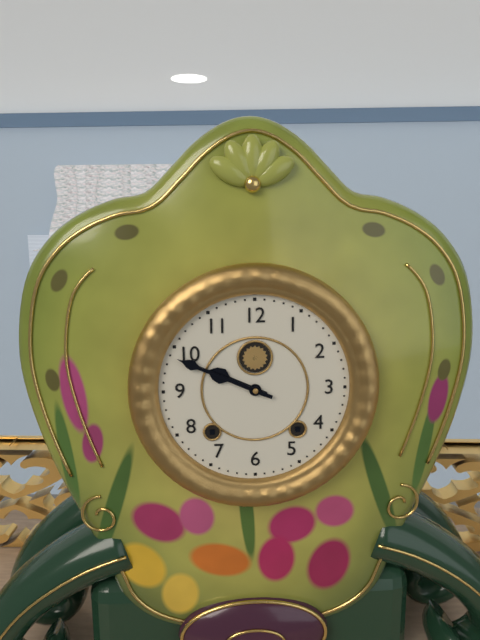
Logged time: **9:49**
